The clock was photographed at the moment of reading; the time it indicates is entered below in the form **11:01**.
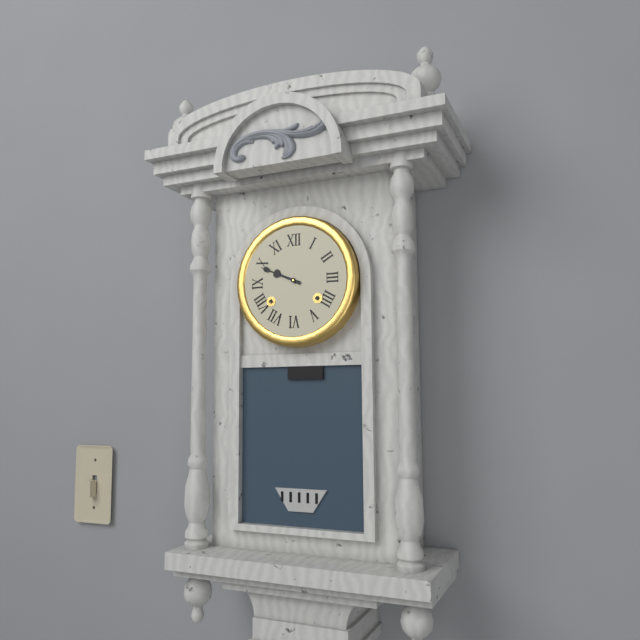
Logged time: **9:49**
